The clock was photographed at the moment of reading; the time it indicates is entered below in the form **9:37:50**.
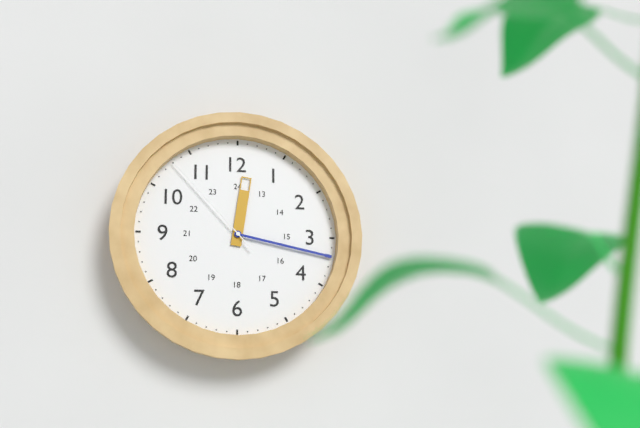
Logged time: **12:17:53**
